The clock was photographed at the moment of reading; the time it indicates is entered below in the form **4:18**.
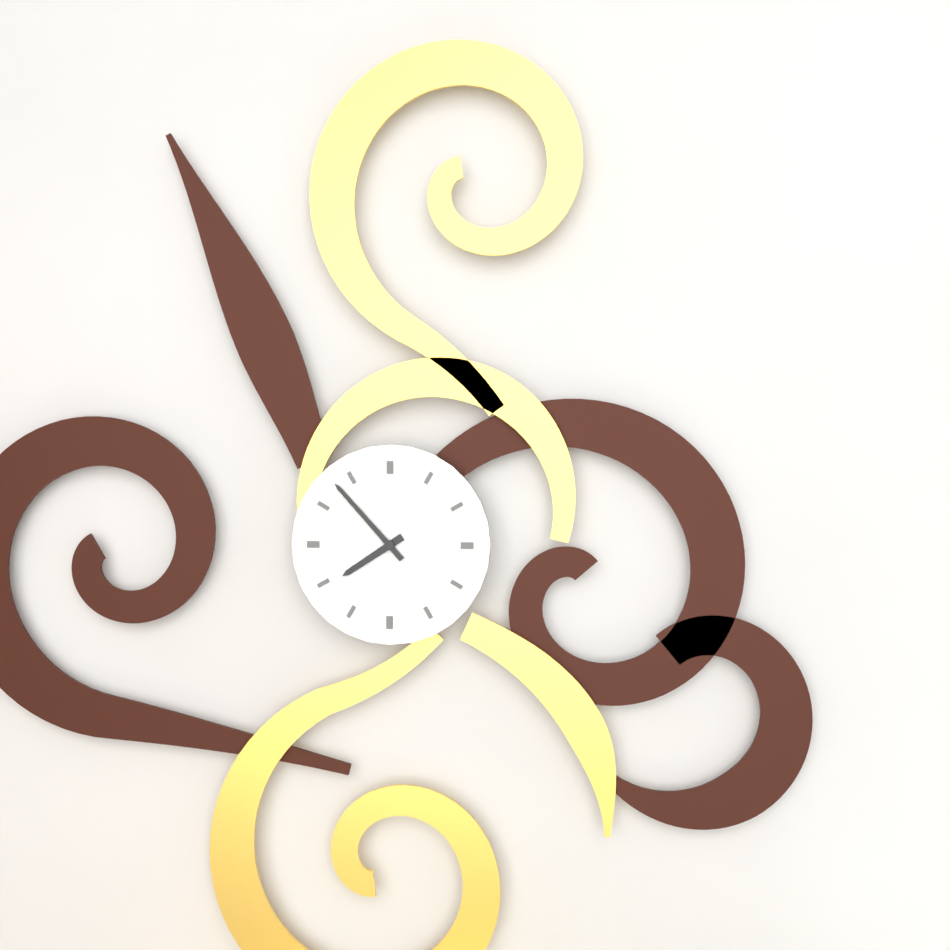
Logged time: **7:53**
